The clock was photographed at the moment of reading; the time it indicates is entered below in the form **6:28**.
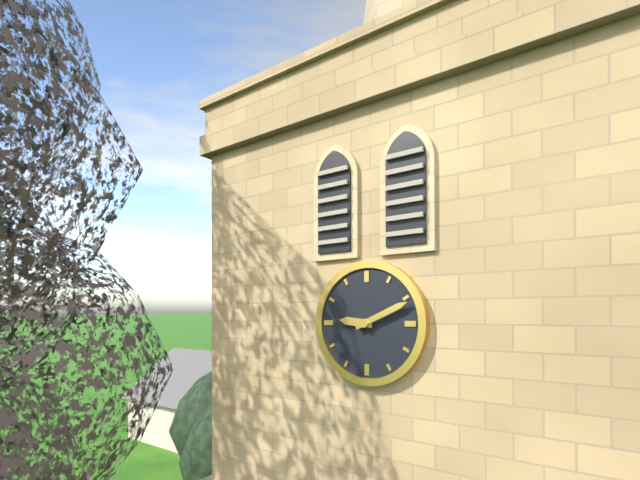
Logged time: **9:11**
